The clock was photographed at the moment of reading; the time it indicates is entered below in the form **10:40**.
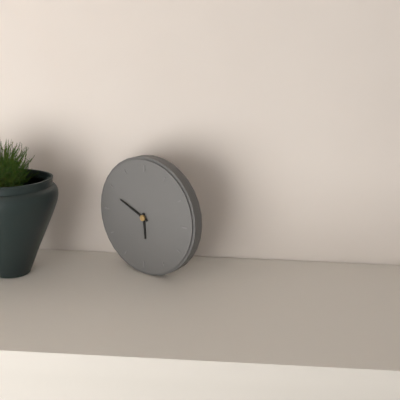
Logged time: **5:49**
